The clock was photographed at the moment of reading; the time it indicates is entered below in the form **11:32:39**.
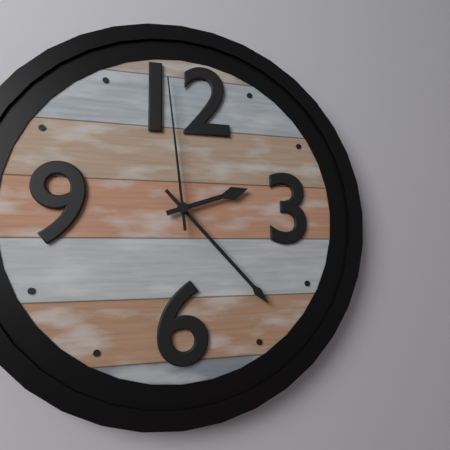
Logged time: **2:23:59**
